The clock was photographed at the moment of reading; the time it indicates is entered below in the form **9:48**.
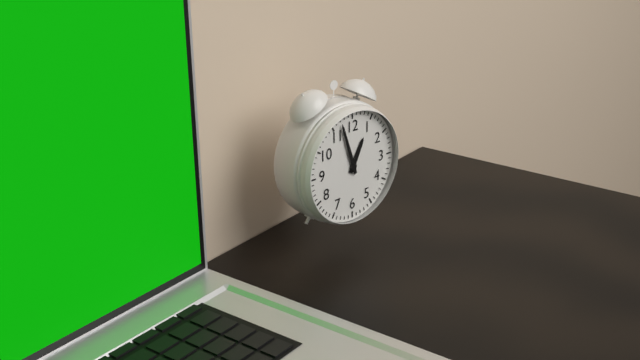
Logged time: **12:57**
